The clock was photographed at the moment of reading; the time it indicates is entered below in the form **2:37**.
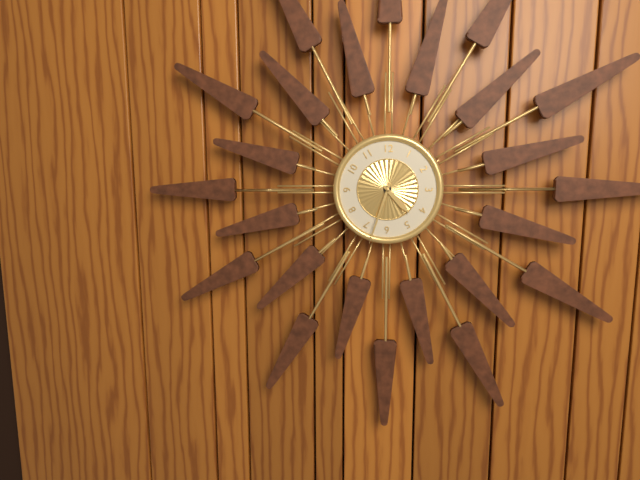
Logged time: **4:33**
